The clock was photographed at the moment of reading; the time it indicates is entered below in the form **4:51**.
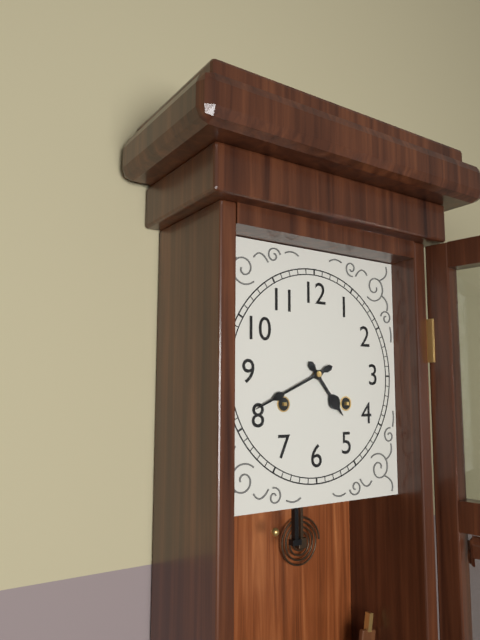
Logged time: **4:41**
